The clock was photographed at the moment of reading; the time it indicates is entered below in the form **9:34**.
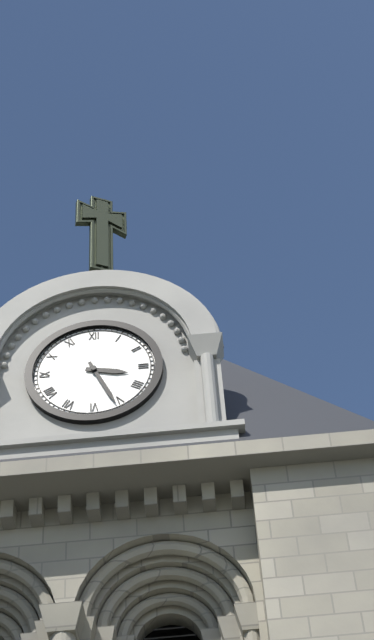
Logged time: **3:26**
